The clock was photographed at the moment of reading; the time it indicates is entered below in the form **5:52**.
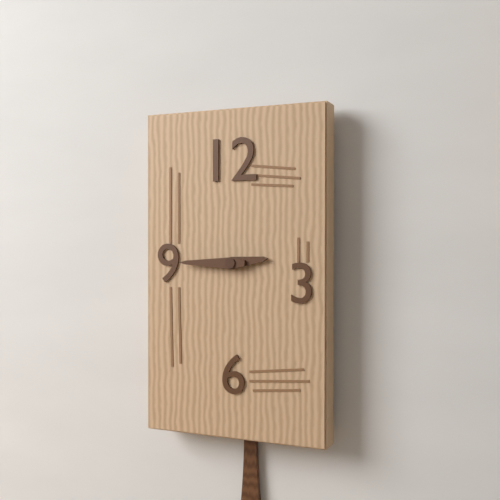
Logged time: **2:45**
